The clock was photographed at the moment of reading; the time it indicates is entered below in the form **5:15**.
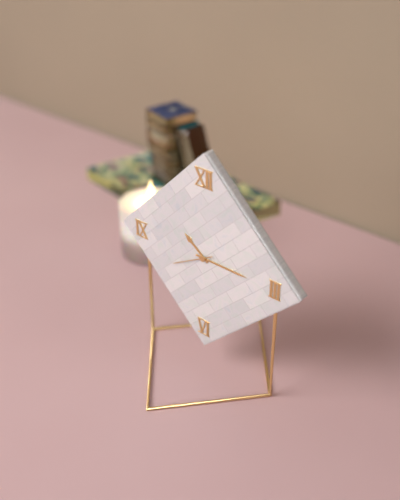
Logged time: **10:15**
